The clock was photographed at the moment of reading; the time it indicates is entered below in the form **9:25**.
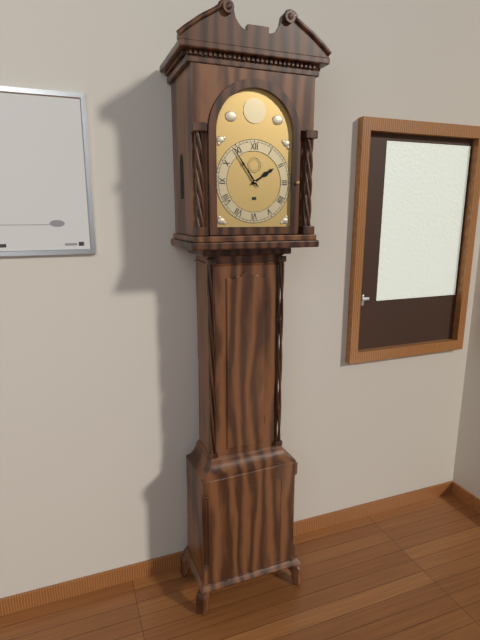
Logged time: **1:54**
